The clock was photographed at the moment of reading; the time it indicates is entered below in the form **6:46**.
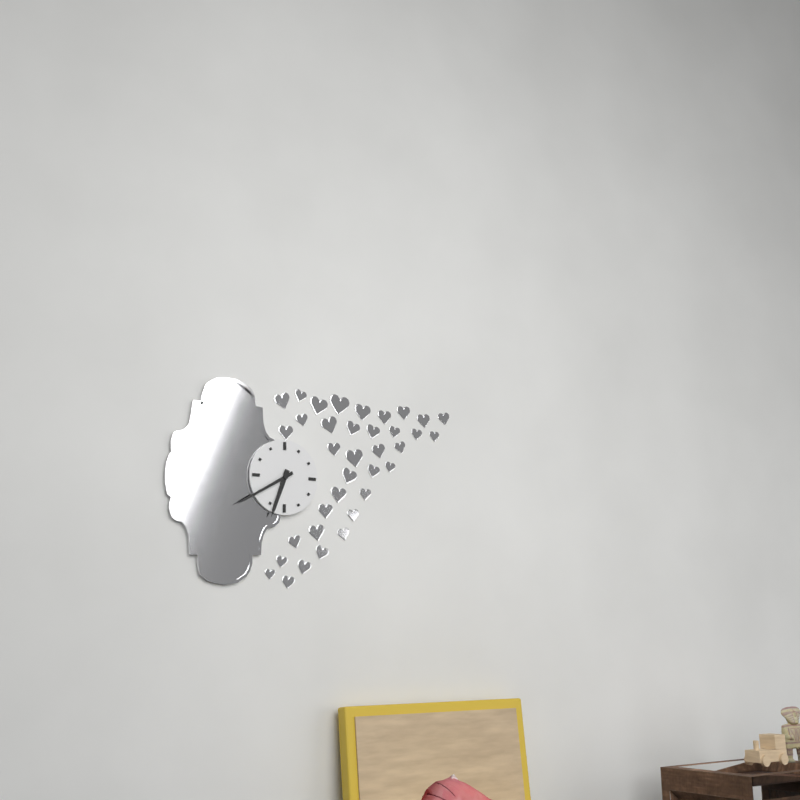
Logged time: **6:40**
